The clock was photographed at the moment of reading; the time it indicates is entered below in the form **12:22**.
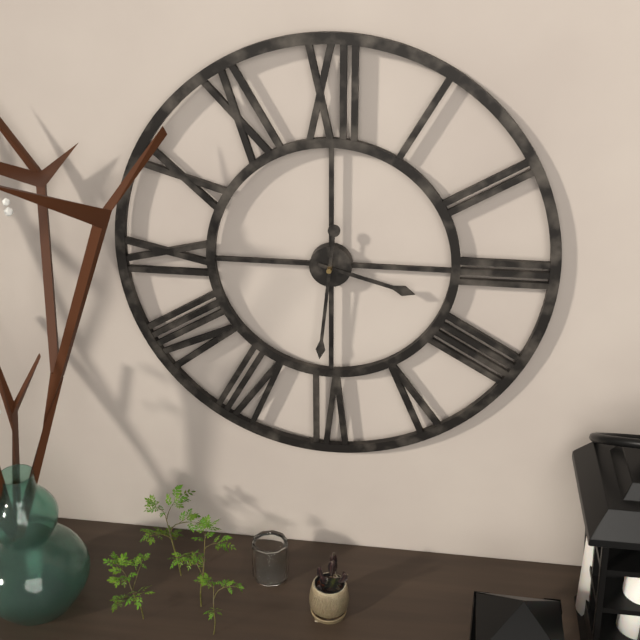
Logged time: **3:31**
